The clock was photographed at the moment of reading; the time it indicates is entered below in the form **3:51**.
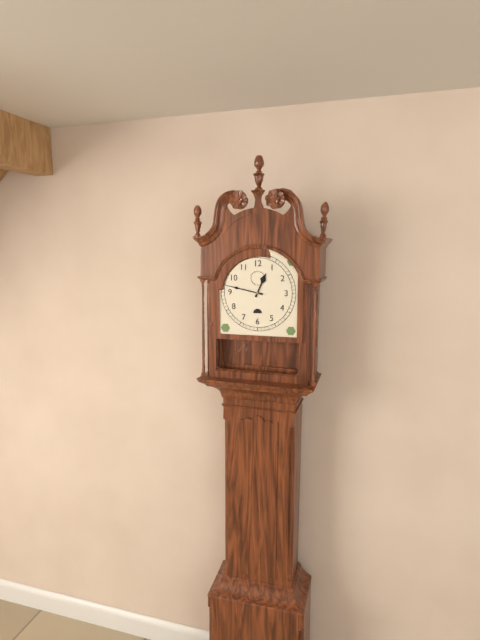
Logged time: **12:47**
